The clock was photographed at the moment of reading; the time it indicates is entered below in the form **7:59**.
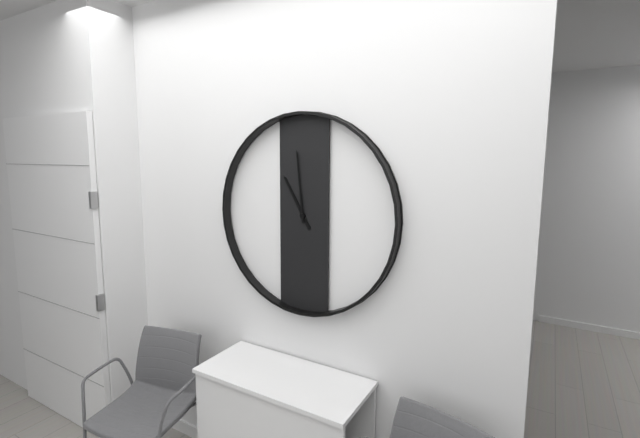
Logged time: **10:59**
